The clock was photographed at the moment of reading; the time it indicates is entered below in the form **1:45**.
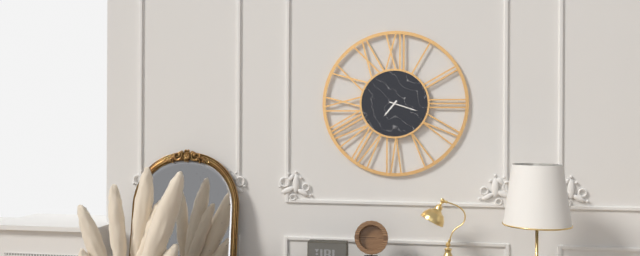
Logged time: **7:18**
